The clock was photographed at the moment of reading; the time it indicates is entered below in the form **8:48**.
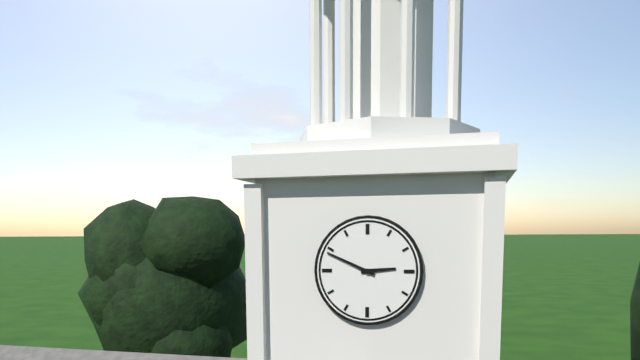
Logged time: **2:49**
